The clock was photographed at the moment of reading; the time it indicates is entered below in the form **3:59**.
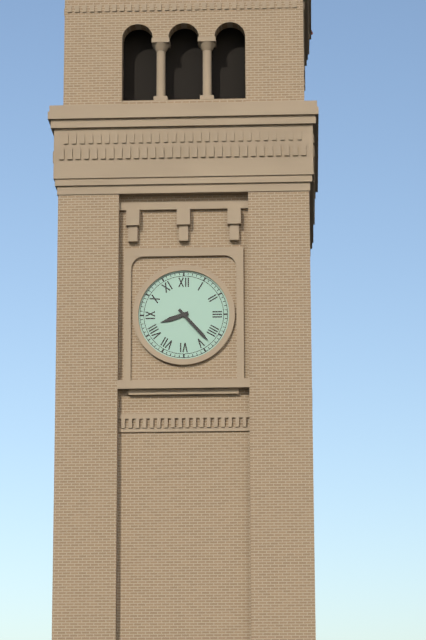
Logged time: **8:23**
